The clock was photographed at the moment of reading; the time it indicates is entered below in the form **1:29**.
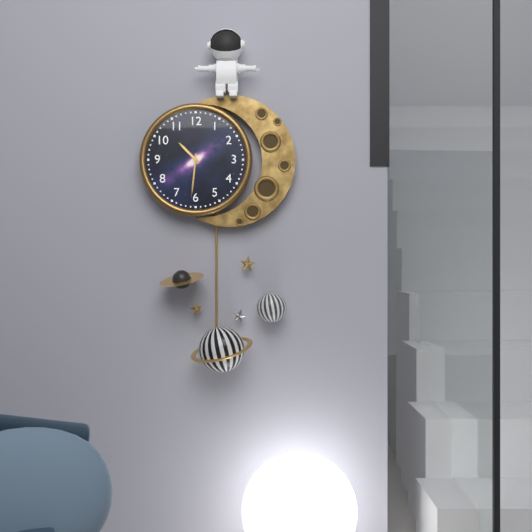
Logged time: **10:31**
